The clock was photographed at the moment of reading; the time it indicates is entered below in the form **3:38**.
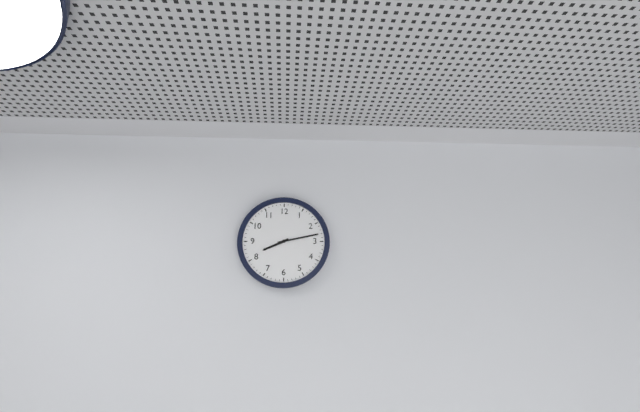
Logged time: **8:13**
